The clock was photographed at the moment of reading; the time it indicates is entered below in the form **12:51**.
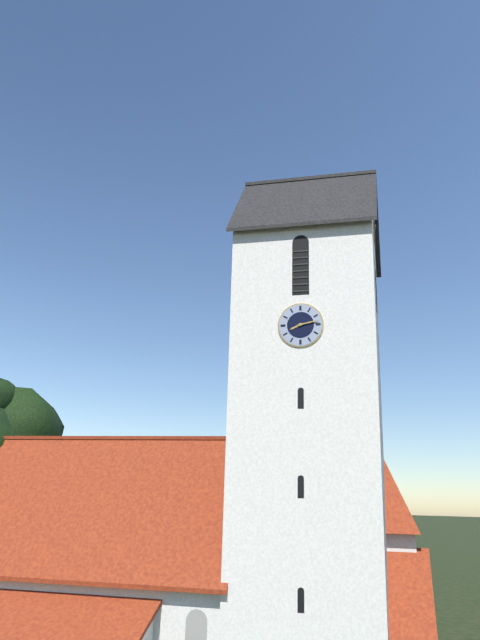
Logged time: **8:13**
